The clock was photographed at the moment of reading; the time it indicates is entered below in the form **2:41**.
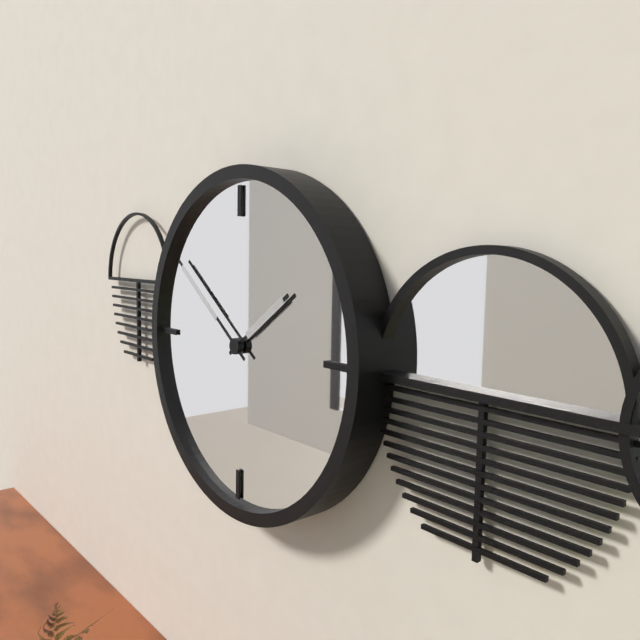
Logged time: **1:51**
